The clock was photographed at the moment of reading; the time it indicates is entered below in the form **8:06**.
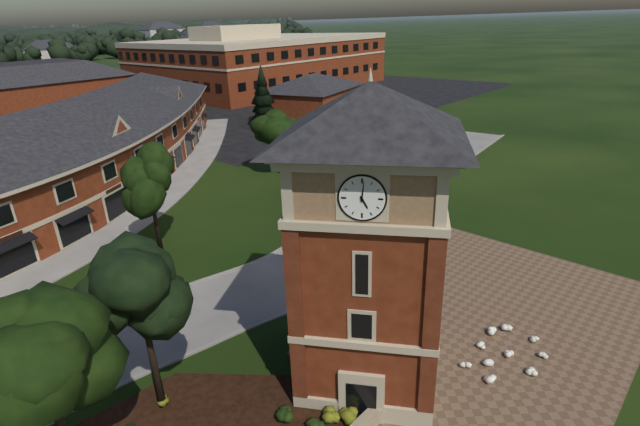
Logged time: **5:01**
